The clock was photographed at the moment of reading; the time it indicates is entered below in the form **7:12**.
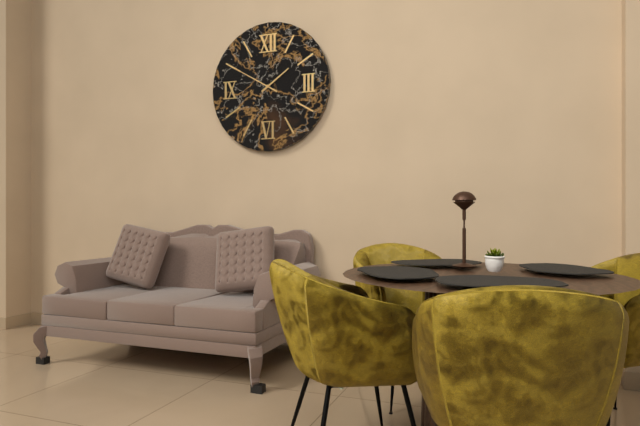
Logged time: **1:50**
